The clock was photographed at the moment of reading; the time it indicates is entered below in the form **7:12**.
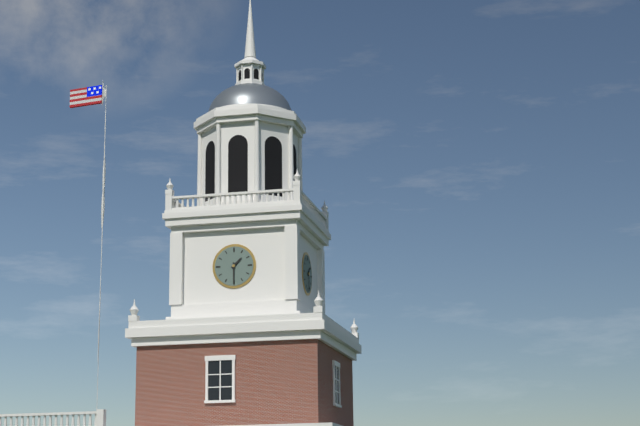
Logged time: **1:30**
